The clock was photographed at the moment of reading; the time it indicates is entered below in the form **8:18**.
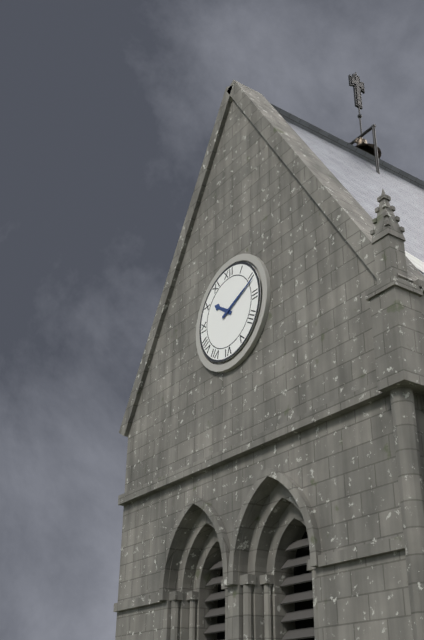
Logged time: **10:11**
